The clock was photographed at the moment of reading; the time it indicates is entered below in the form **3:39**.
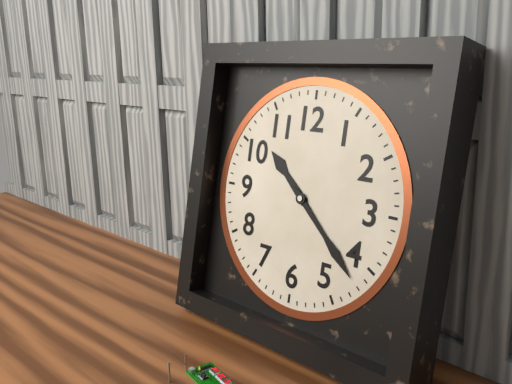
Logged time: **10:22**
